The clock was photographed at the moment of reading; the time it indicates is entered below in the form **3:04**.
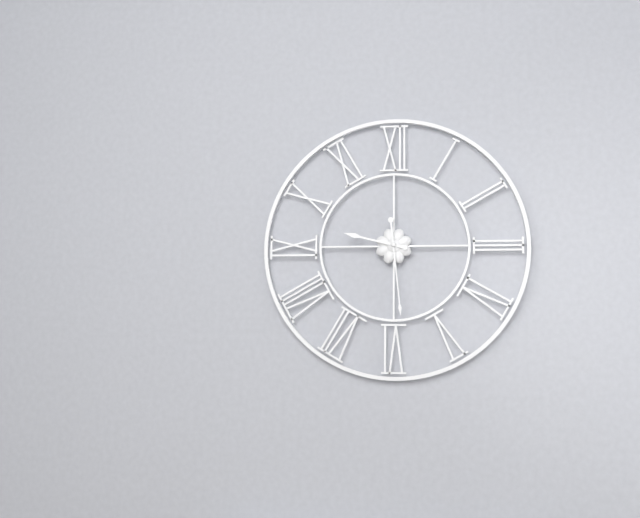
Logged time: **9:29**
